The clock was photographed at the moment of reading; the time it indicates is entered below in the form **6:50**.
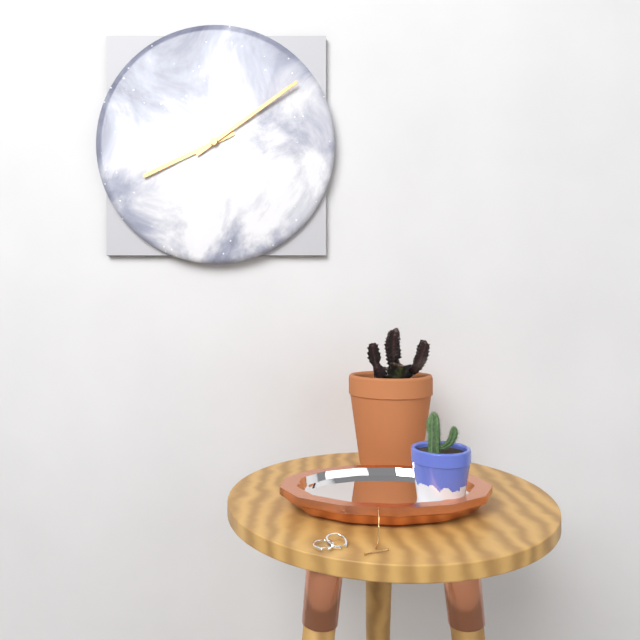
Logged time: **8:09**
